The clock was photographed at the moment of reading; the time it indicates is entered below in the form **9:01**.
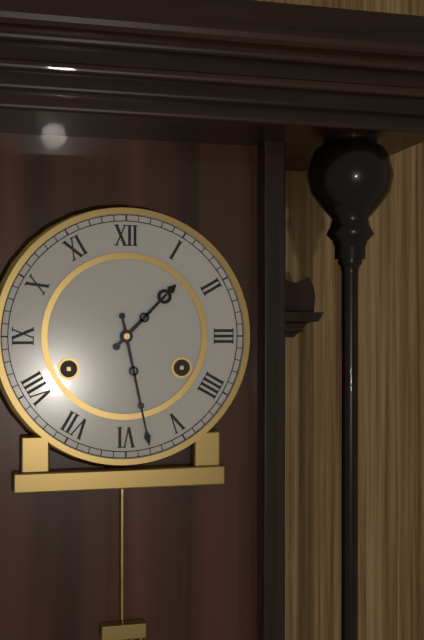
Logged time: **1:28**
